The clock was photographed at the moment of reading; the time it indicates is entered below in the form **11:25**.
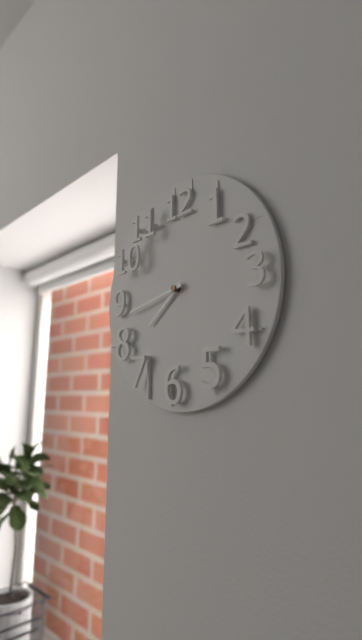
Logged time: **7:43**
